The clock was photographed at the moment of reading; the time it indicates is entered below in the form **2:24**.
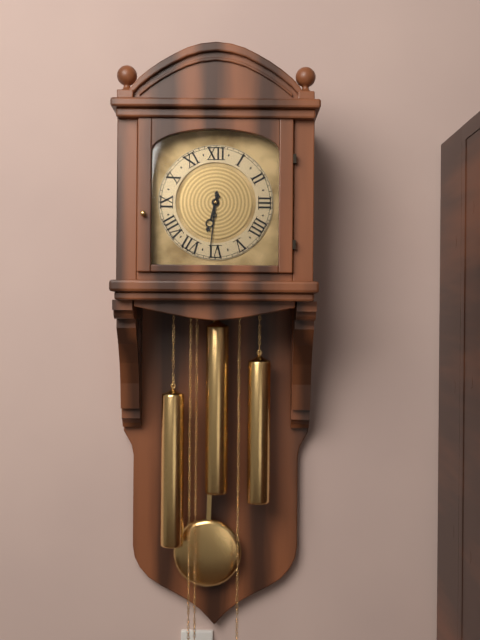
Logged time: **6:31**
